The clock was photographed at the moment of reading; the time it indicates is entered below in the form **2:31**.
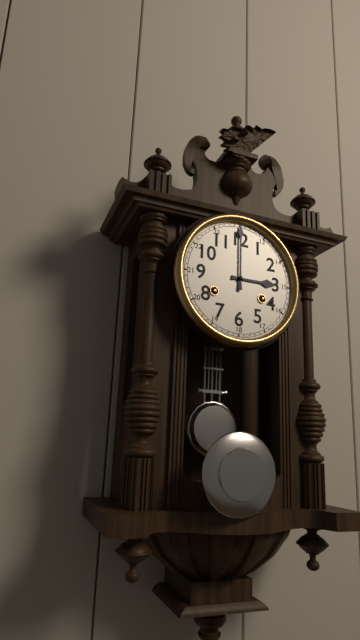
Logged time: **3:00**
